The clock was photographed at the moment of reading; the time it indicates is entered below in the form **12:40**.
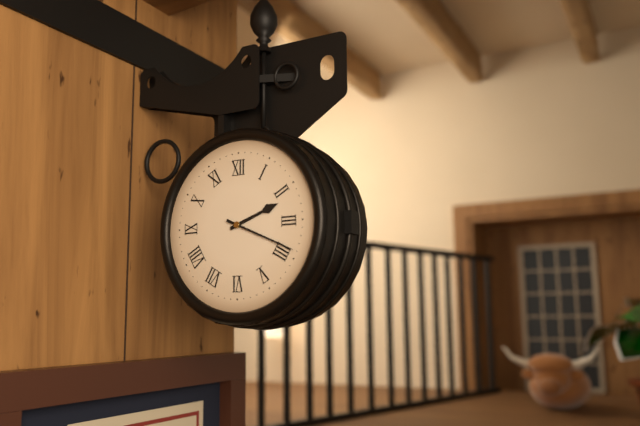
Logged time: **2:19**
